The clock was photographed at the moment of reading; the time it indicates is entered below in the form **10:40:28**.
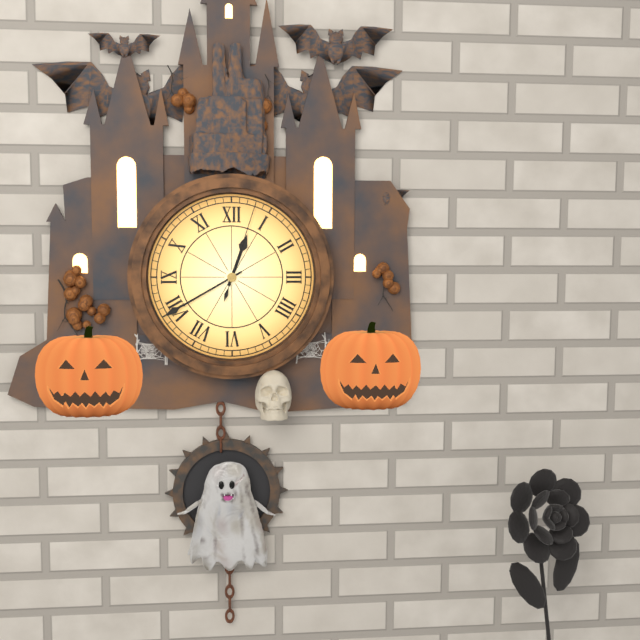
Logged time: **12:40:03**
